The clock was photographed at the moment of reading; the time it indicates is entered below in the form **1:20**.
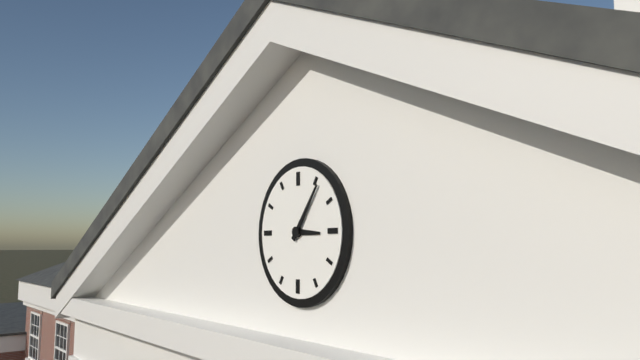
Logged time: **3:06**
